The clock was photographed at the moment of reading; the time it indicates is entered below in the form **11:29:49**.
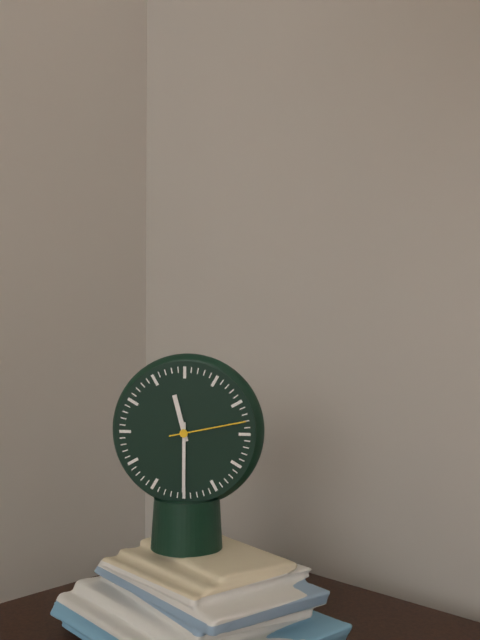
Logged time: **11:30:13**
